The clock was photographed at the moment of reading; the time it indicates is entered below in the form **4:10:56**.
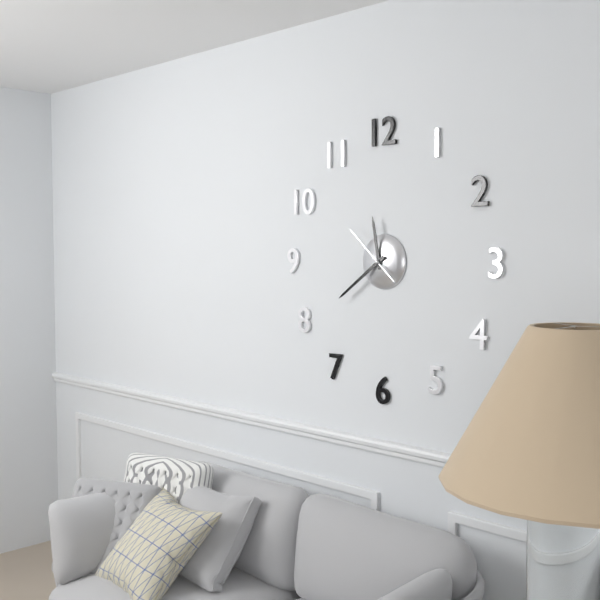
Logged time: **11:39:52**
